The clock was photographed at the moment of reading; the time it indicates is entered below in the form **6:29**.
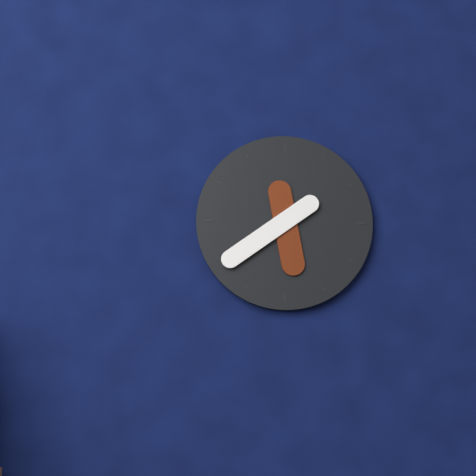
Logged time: **5:39**
